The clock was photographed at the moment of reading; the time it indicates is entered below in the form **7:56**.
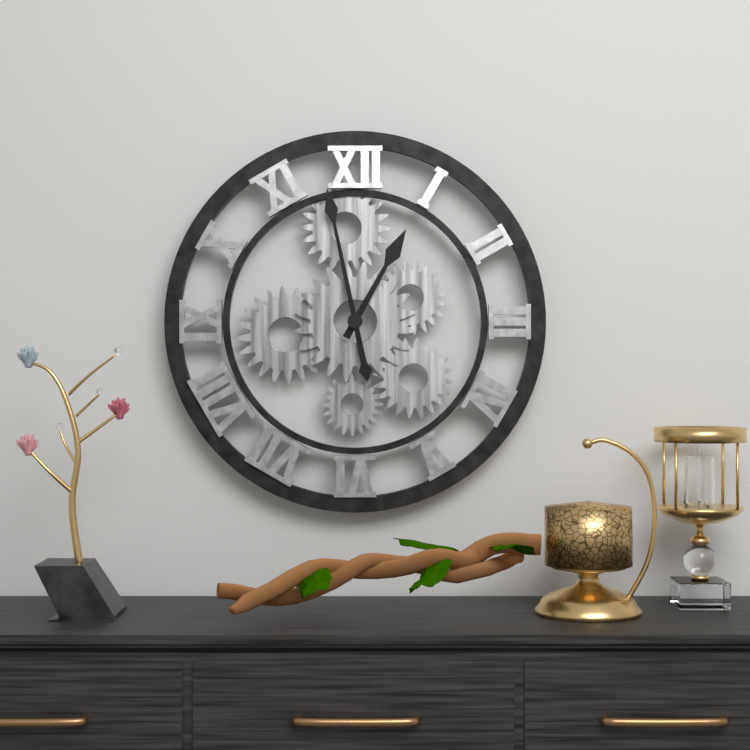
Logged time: **12:58**
